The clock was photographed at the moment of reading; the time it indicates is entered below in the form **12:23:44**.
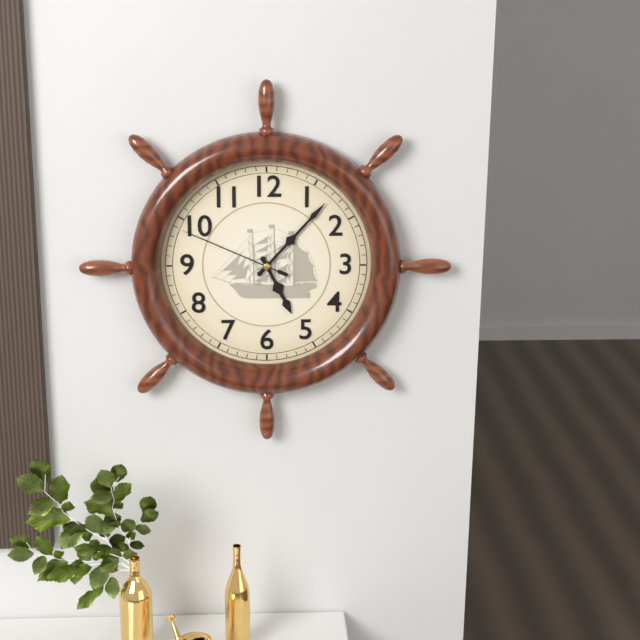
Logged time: **5:07:49**
